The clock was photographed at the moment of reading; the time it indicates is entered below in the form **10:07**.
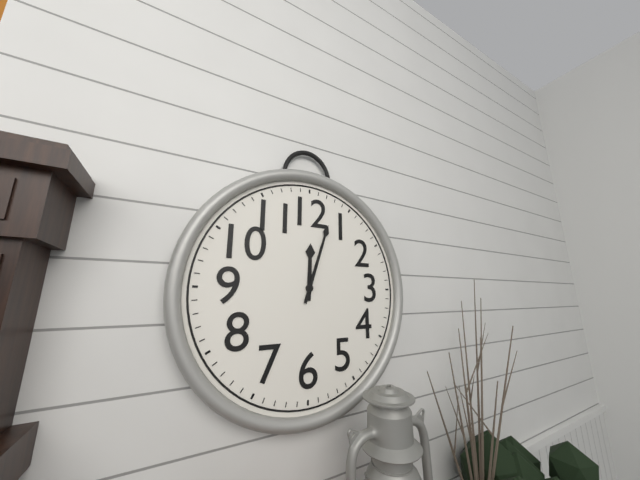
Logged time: **12:03**
